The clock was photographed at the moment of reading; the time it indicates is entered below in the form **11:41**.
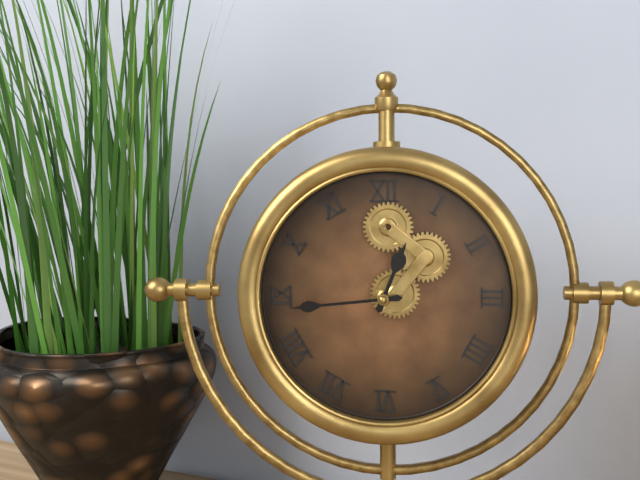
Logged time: **12:44**
